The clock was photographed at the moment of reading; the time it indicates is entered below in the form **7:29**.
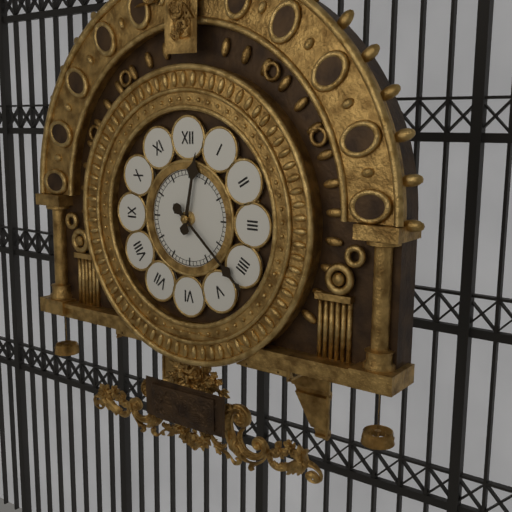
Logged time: **12:22**
